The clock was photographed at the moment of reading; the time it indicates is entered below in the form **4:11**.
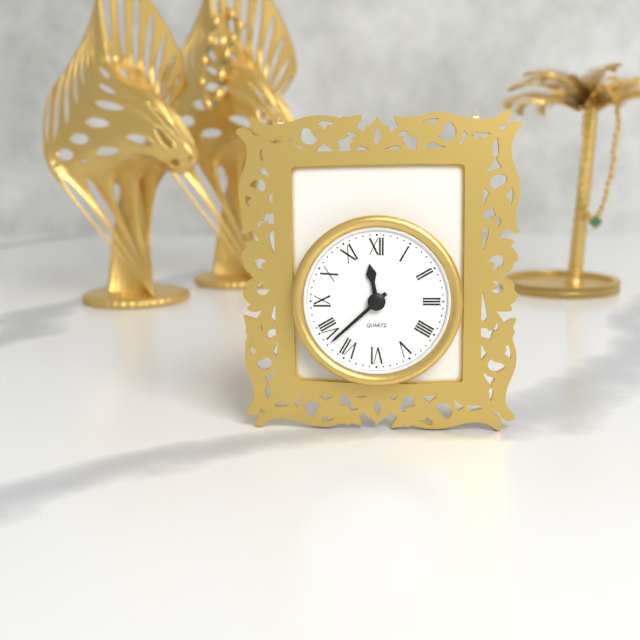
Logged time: **11:38**
